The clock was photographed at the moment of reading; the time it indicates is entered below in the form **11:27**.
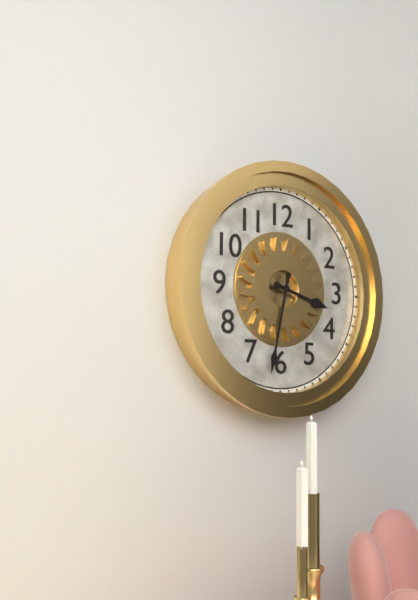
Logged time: **3:32**
